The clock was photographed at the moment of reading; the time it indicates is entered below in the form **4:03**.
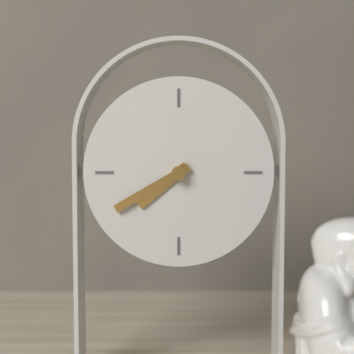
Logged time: **7:40**
